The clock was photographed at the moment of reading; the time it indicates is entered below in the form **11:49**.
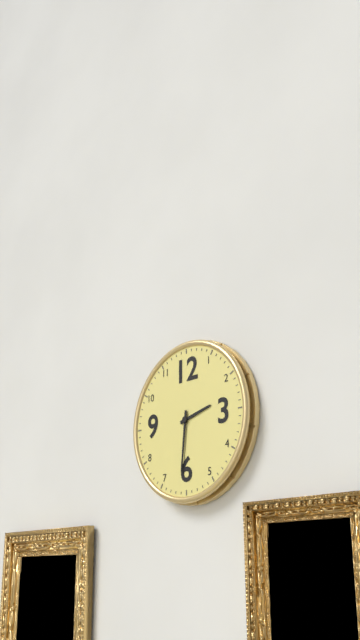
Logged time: **2:31**
